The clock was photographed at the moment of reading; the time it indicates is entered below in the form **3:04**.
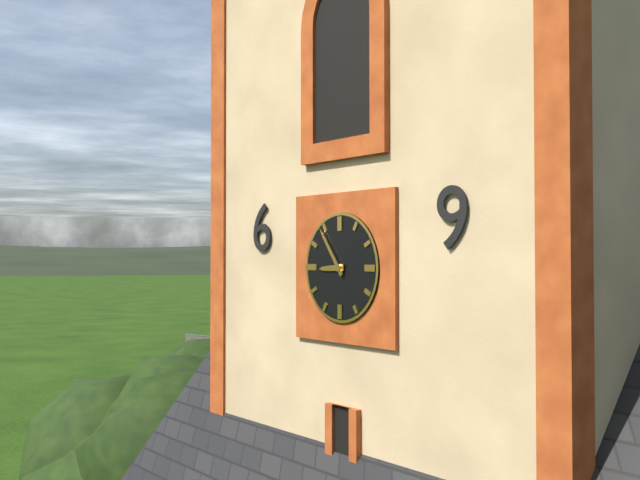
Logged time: **8:54**
